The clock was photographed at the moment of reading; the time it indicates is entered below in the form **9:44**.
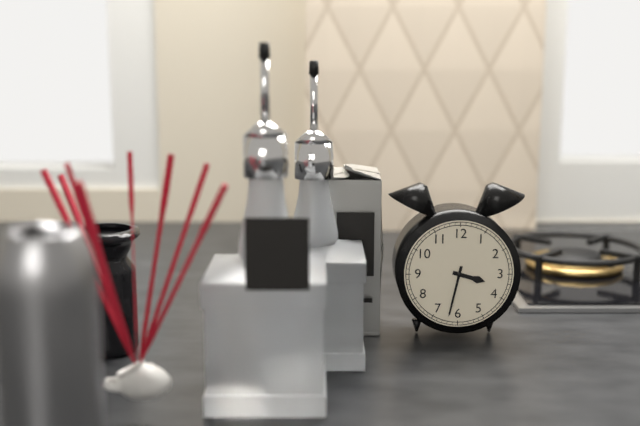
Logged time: **3:32**
